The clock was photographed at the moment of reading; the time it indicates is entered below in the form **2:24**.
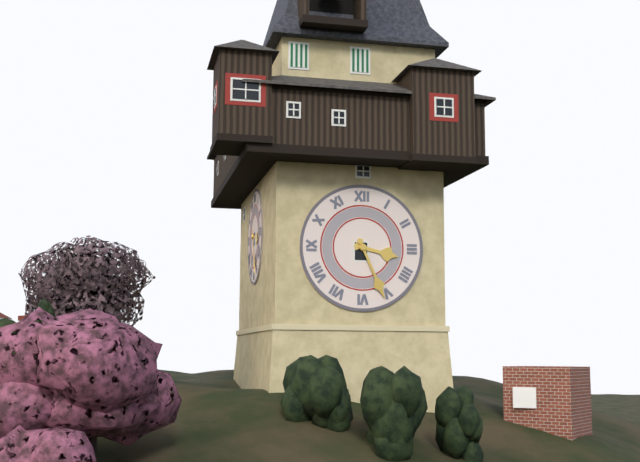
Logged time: **3:26**
